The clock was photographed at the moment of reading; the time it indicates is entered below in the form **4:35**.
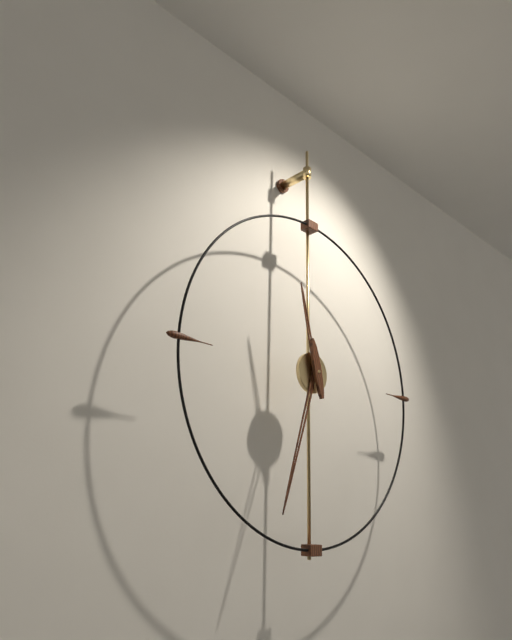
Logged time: **11:33**
